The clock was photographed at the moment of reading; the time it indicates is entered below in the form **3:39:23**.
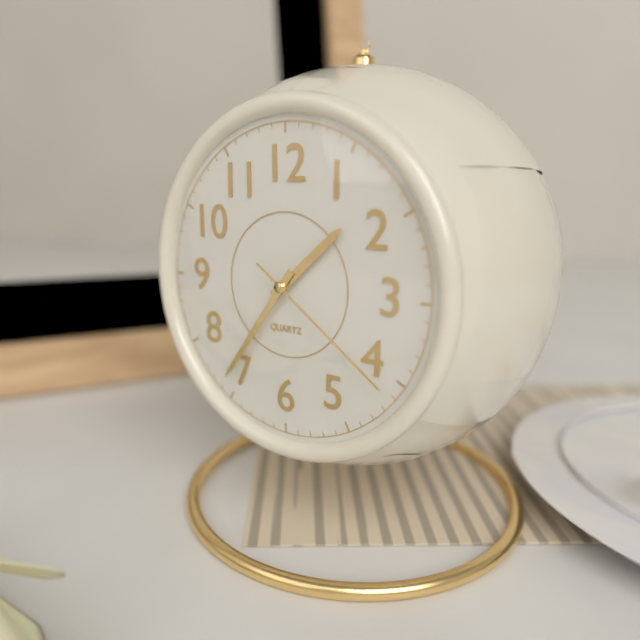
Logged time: **1:36:21**
